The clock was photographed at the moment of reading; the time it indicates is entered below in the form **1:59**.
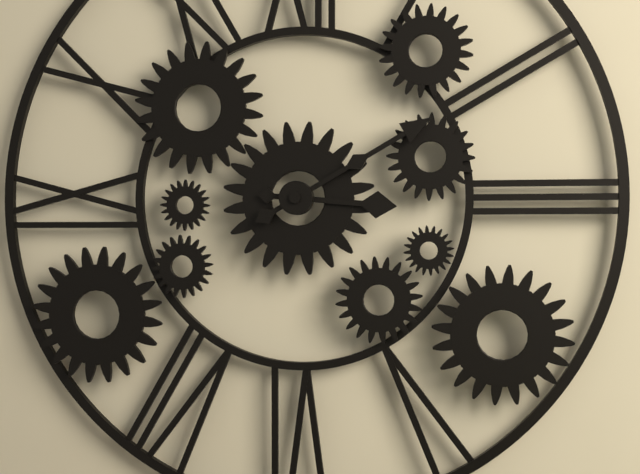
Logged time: **3:10**
